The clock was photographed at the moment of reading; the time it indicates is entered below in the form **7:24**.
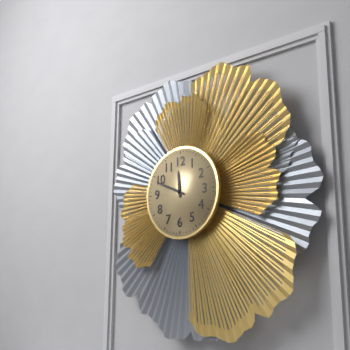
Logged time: **11:49**
